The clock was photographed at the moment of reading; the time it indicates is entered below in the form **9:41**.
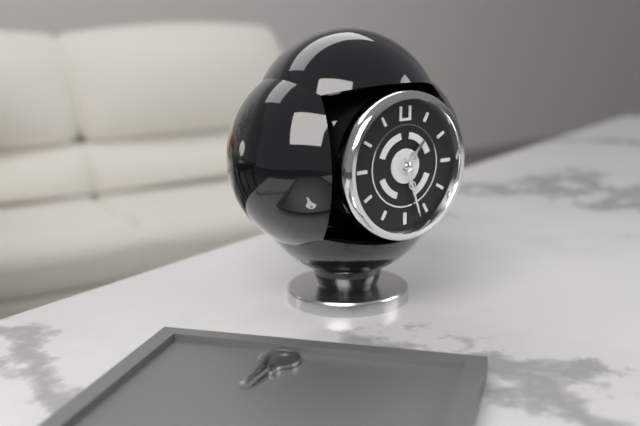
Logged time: **1:27**
